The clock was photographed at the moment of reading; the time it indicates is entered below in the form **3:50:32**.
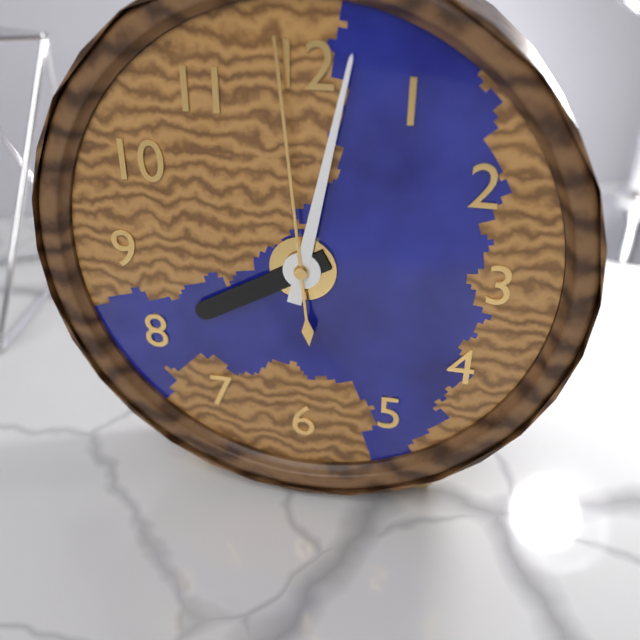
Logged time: **8:02:59**
